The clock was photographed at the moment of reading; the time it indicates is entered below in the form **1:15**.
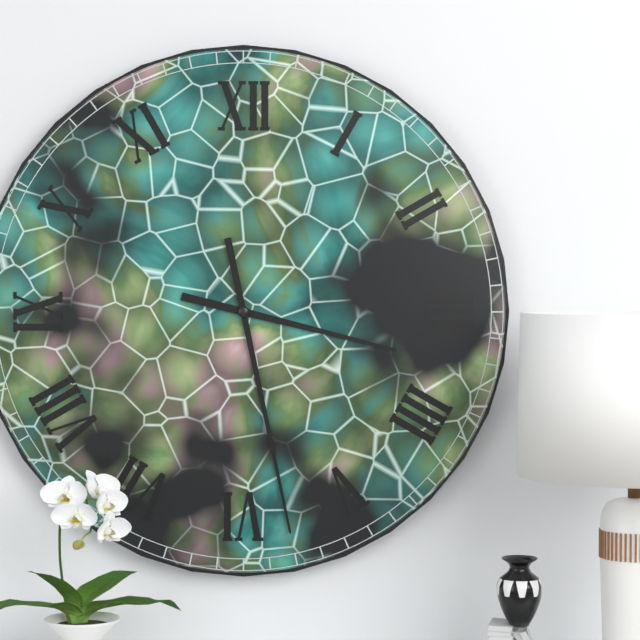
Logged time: **3:28**
